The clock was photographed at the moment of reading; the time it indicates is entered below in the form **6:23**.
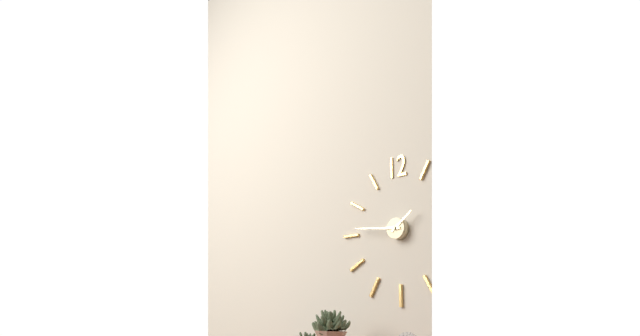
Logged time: **1:46**
